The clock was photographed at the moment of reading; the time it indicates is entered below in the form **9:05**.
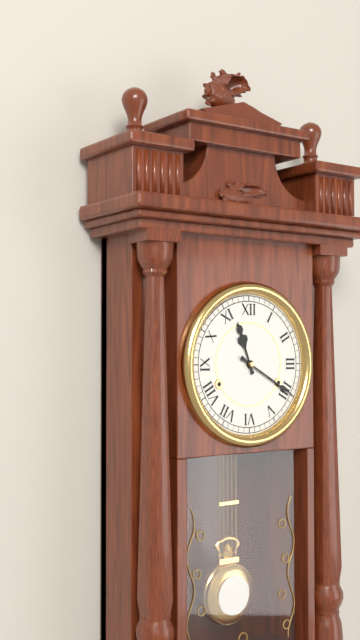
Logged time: **11:20**
